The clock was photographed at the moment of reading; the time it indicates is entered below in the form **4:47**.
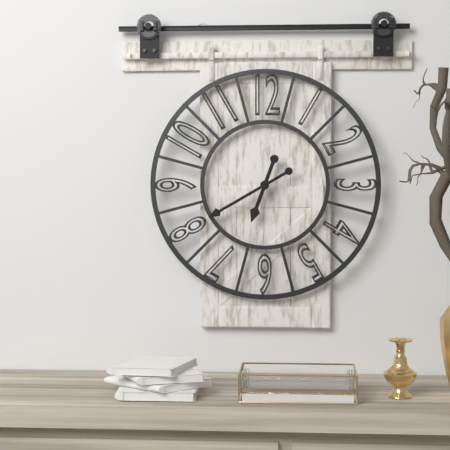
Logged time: **6:40**
